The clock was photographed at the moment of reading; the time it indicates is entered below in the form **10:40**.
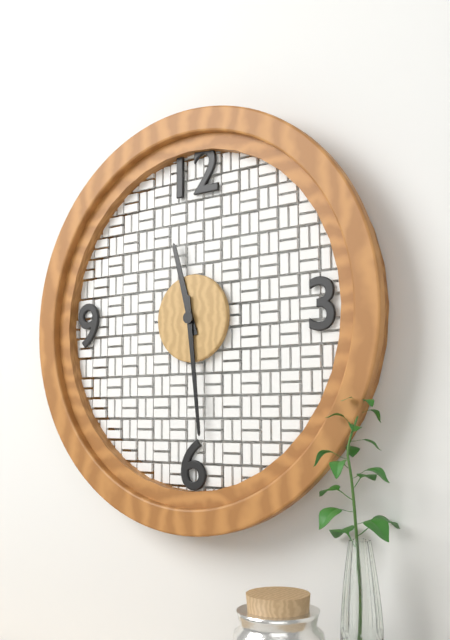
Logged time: **11:29**
